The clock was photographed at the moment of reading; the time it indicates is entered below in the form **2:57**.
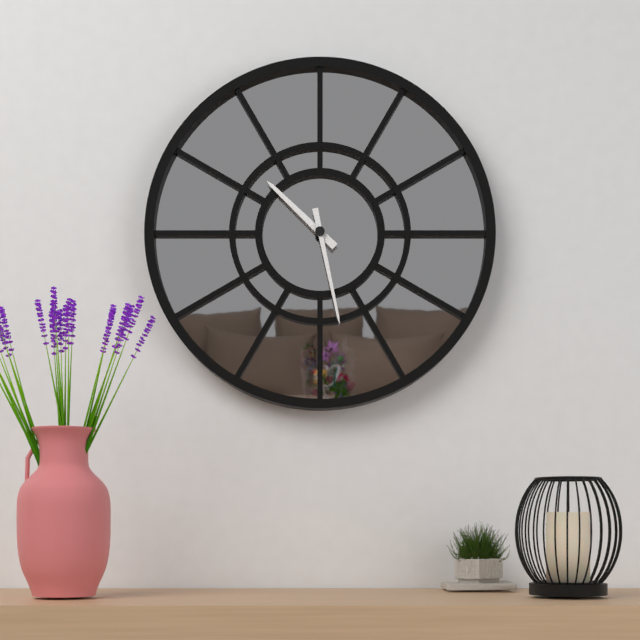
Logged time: **10:28**
